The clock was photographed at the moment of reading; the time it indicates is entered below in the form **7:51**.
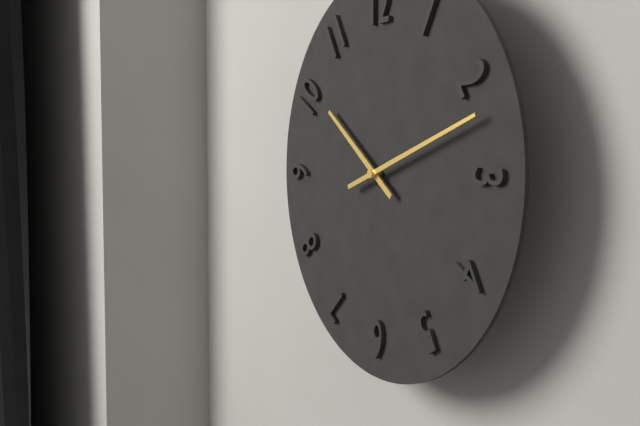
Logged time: **10:12**
